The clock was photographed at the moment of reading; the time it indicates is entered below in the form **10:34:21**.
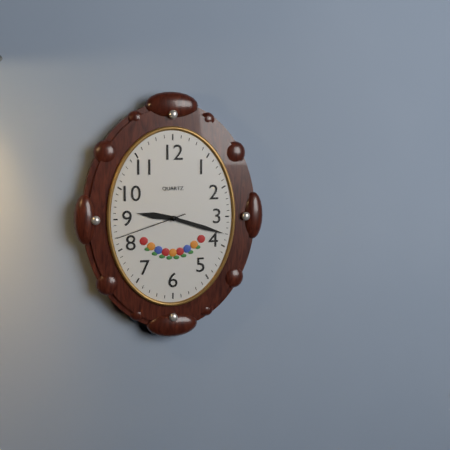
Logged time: **9:18:42**
